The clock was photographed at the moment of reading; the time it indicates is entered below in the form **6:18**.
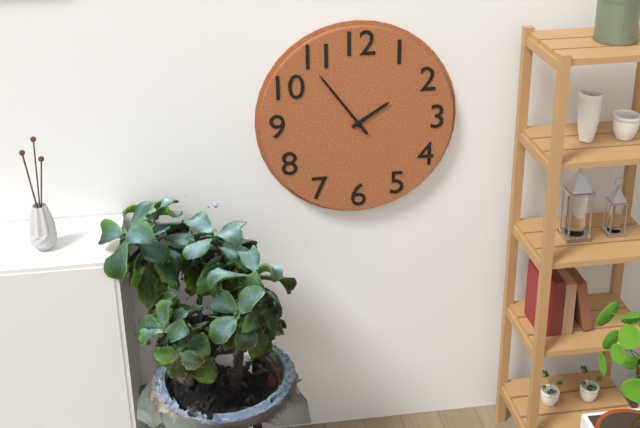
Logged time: **1:54**
